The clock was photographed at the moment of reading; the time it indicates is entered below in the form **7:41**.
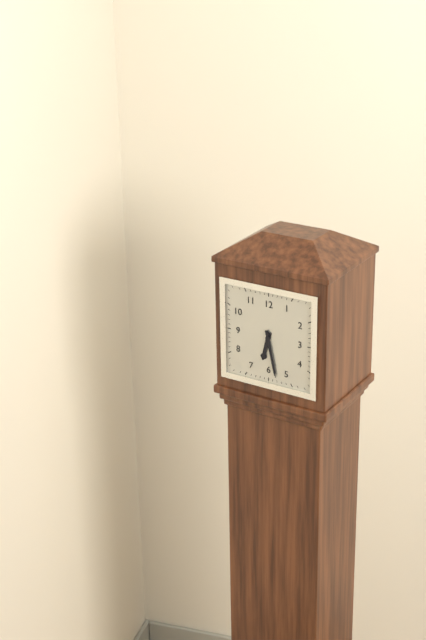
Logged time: **6:28**
